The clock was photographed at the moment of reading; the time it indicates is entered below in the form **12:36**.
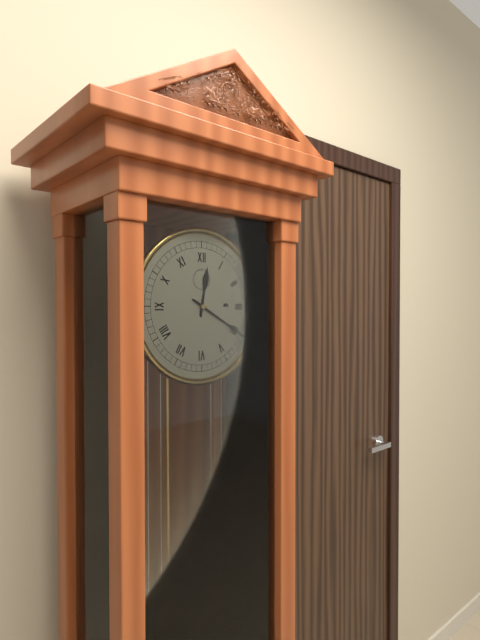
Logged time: **12:20**
